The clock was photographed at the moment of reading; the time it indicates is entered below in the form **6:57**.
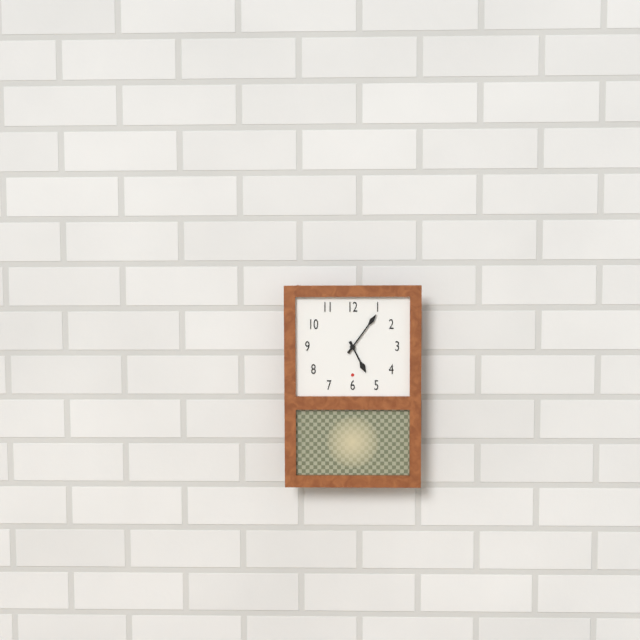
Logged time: **5:06**
